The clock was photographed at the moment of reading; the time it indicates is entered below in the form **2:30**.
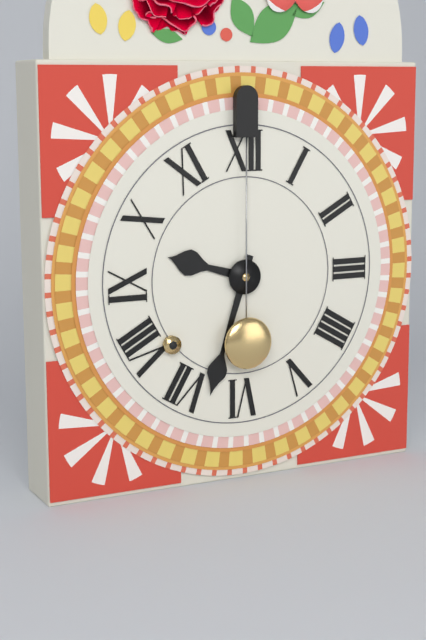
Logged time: **9:33**
